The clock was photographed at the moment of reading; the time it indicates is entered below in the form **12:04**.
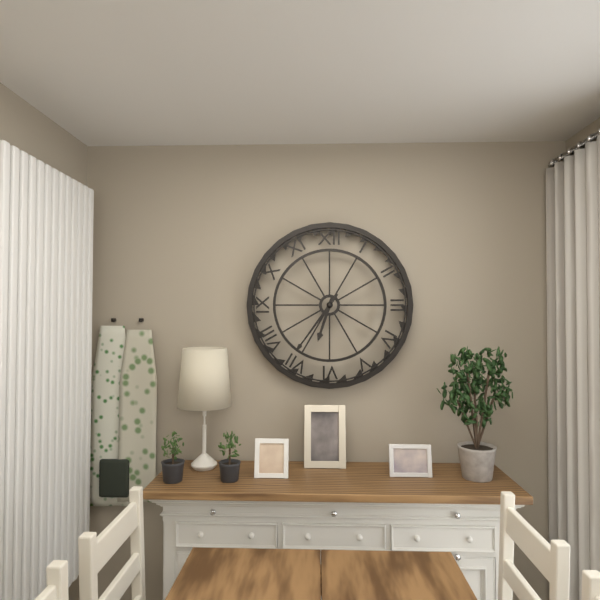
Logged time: **6:36**
